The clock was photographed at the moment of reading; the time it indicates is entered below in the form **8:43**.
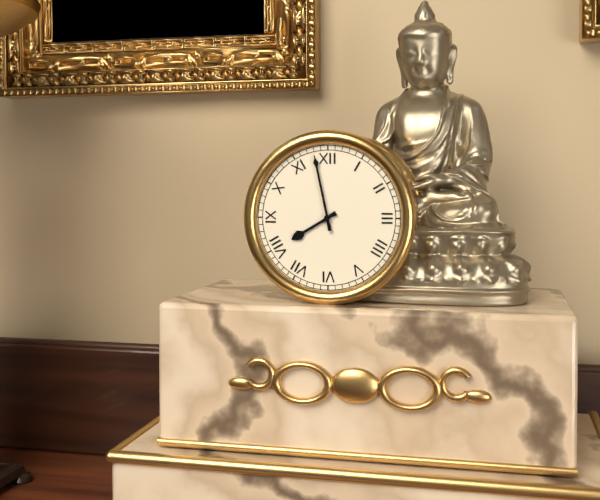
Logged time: **7:58**
